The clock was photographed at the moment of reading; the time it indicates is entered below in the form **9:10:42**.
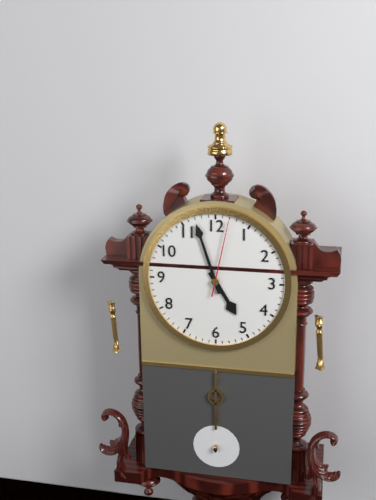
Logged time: **4:57:02**
